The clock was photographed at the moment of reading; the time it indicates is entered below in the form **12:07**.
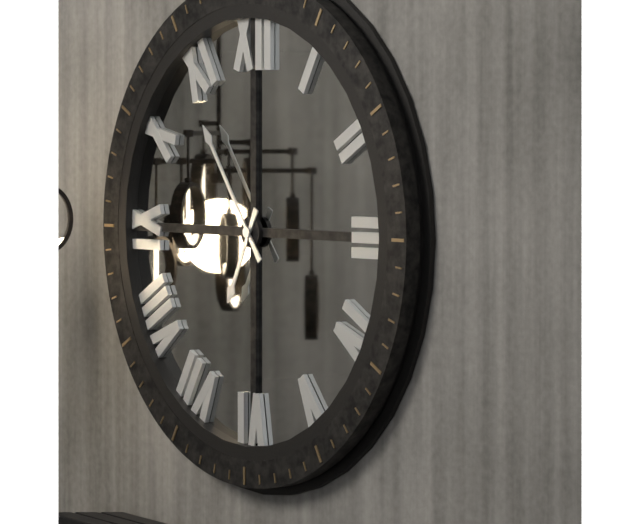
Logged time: **6:54**
